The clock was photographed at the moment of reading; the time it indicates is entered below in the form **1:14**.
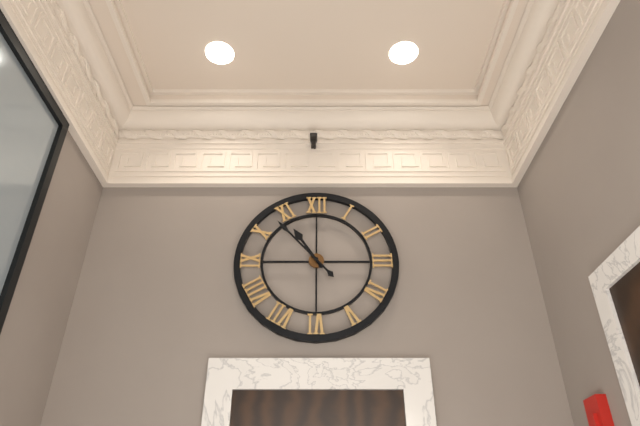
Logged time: **10:53**
